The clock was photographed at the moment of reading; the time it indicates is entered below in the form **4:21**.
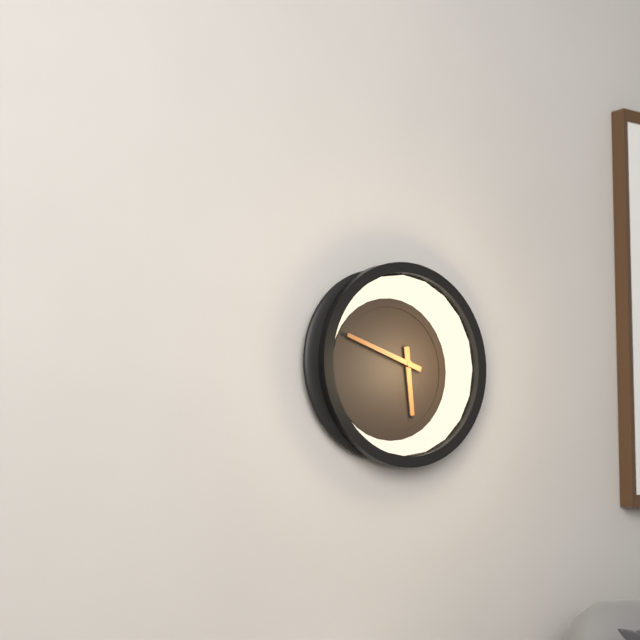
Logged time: **5:48**
